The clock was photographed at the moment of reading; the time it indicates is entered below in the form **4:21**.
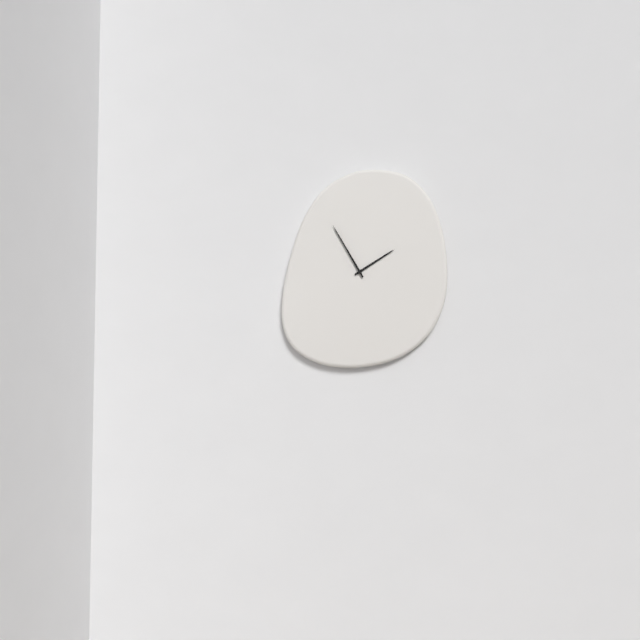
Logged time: **1:55**
